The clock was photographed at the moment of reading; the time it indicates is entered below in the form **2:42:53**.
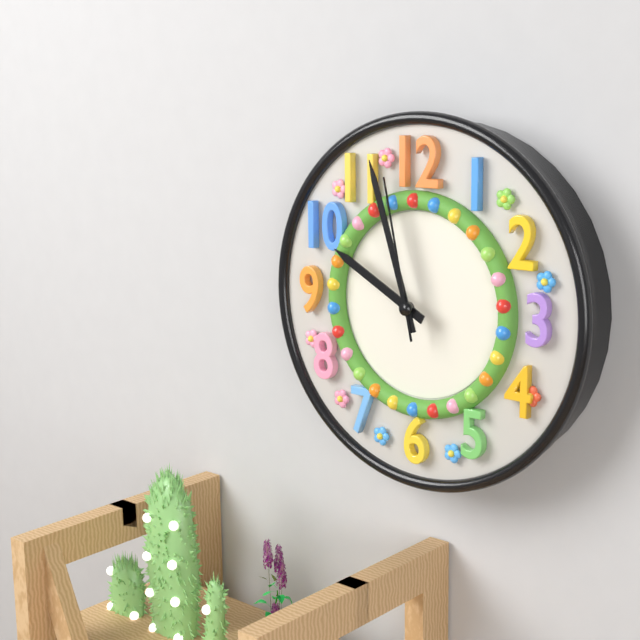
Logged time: **9:57:58**
